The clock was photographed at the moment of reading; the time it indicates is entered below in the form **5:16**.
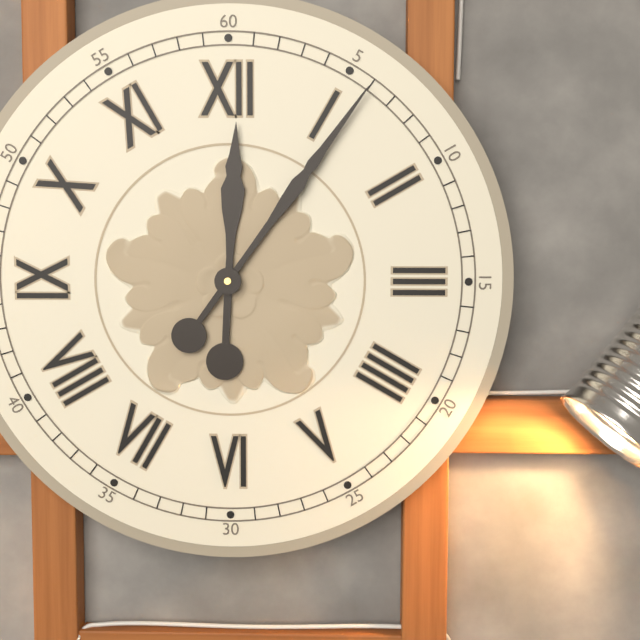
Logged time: **12:06**
